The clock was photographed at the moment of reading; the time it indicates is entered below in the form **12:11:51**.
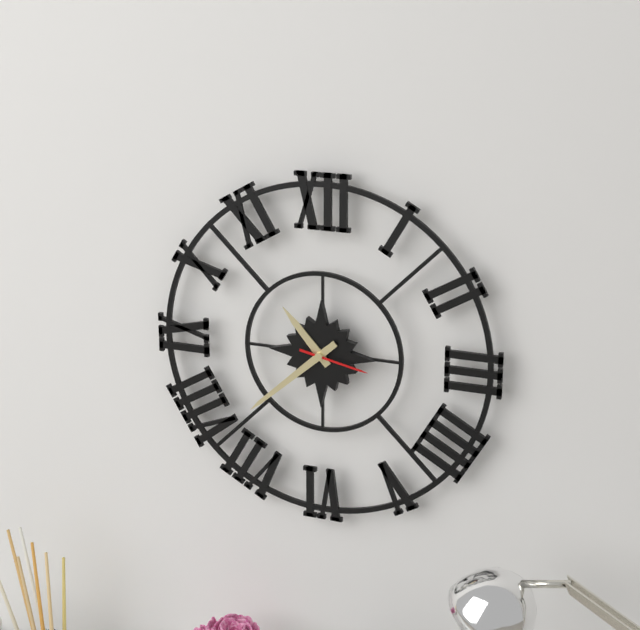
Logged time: **10:38:17**
